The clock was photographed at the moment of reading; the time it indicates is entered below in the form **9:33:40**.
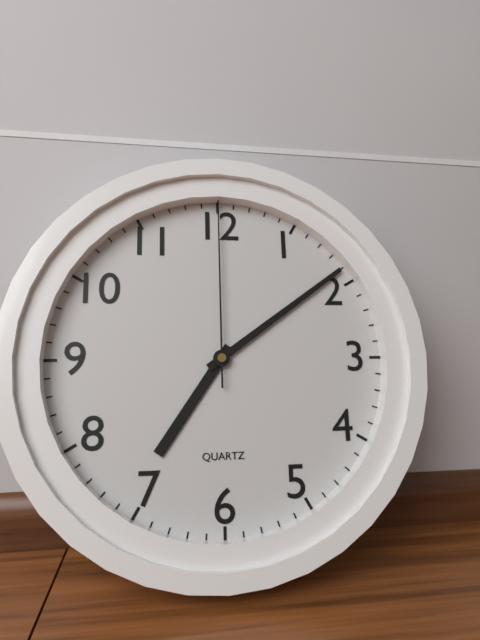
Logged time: **7:09:00**
